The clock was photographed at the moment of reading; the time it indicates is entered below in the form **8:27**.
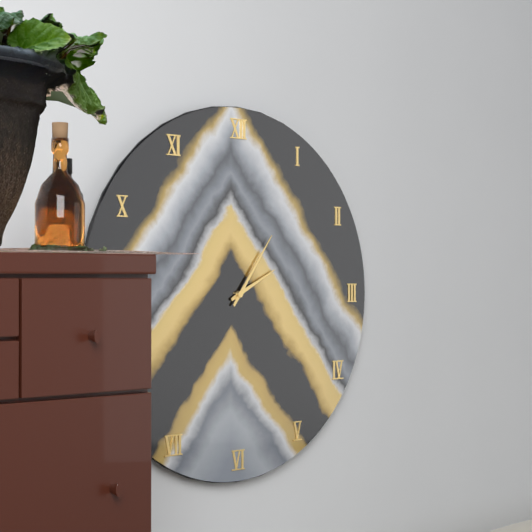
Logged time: **2:06**
